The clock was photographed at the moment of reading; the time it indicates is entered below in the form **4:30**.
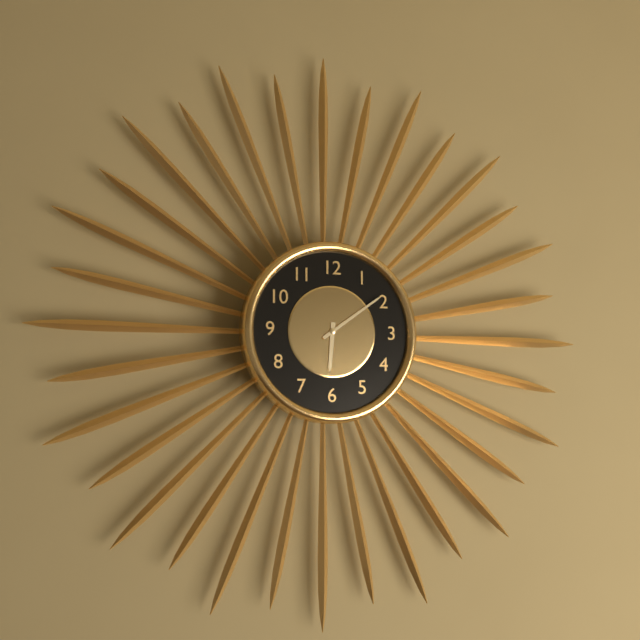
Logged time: **6:09**
